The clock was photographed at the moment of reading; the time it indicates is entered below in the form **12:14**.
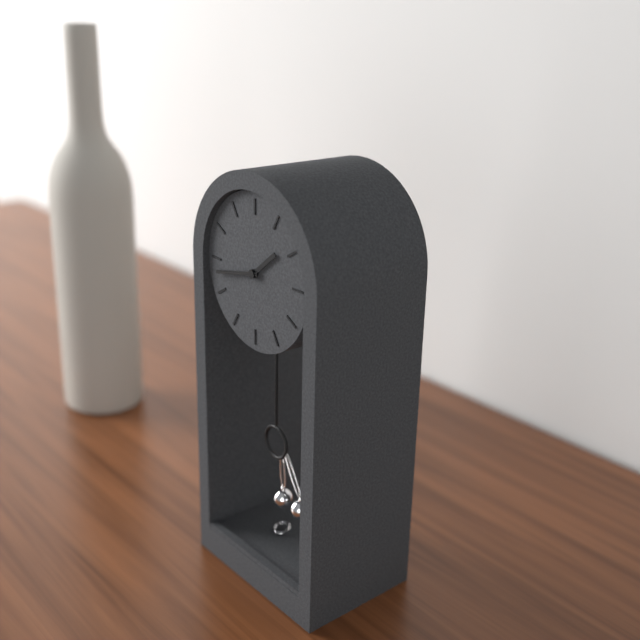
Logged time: **1:43**
